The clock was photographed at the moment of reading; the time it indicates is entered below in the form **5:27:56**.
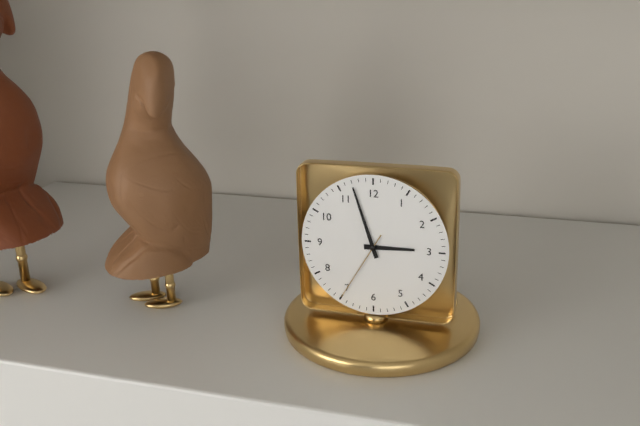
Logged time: **2:57:35**
